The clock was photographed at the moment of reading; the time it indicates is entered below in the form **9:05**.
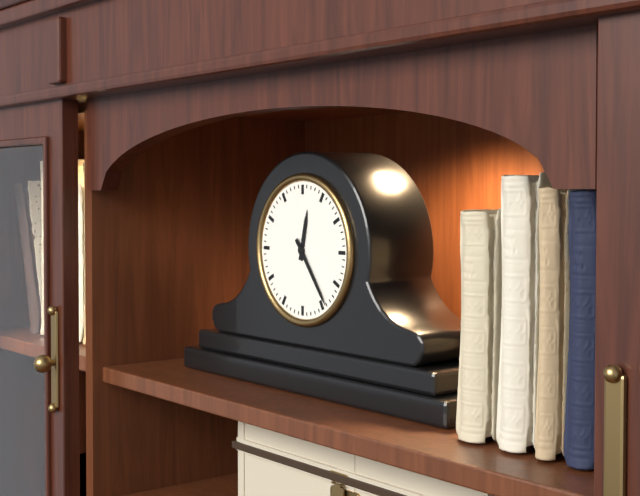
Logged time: **12:24**
